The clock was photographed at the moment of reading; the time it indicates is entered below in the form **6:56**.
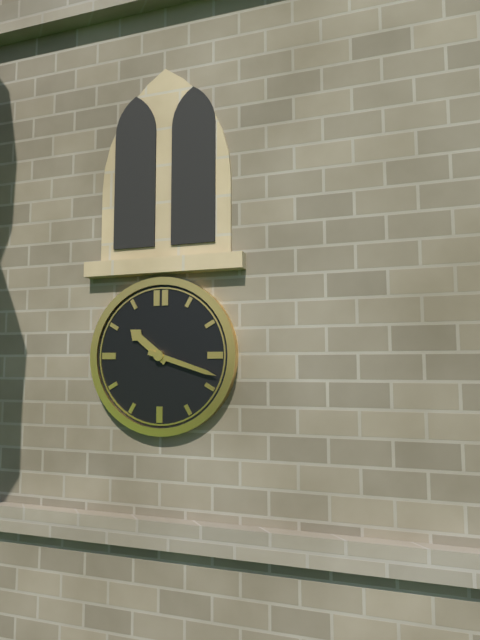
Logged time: **10:18**
